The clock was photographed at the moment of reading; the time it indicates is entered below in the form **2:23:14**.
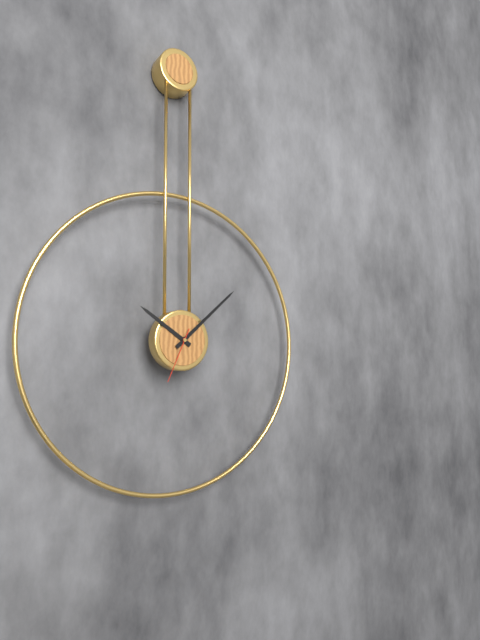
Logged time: **10:08:34**
